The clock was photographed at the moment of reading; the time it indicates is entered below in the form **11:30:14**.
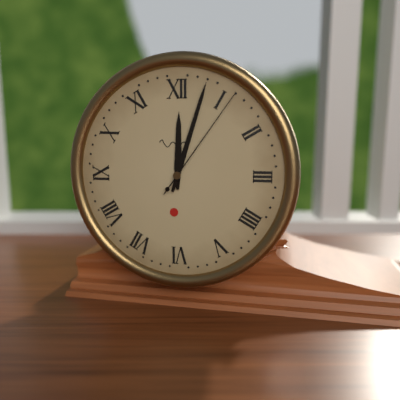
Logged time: **12:03:06**
